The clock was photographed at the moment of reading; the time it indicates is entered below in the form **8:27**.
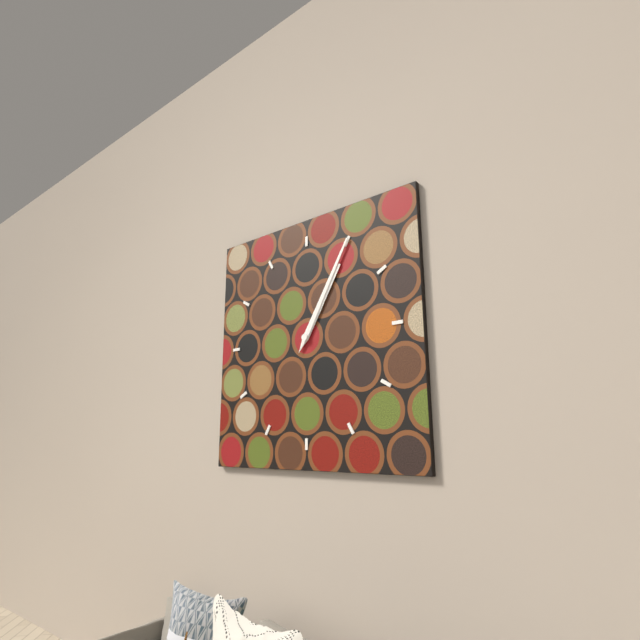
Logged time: **1:05**
